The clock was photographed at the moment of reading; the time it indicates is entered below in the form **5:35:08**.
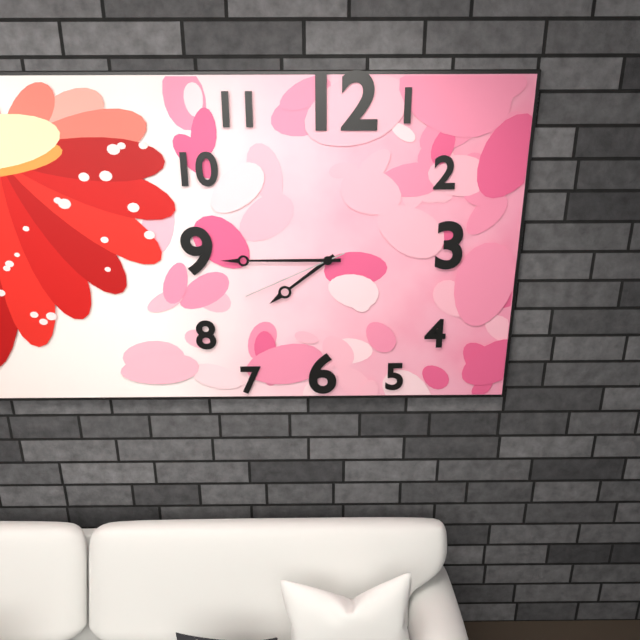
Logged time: **7:45:41**
